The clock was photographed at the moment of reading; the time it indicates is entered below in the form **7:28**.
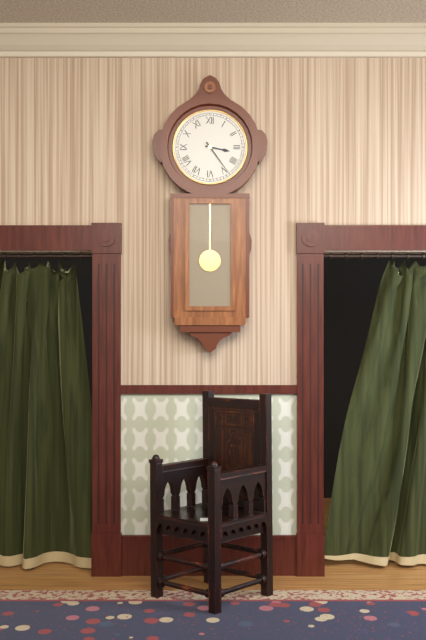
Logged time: **3:24**
